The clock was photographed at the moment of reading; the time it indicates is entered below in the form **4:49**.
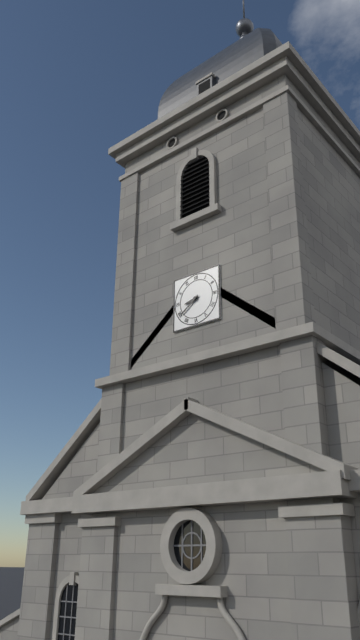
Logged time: **8:39**
